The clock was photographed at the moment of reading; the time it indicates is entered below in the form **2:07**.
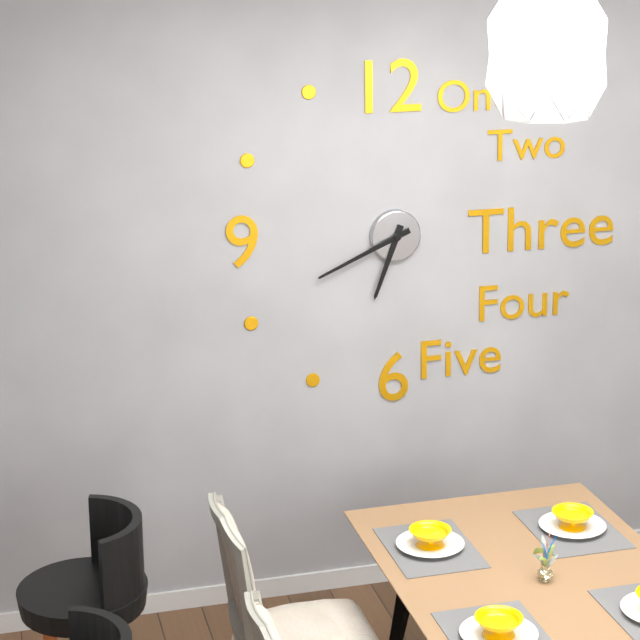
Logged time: **6:41**
